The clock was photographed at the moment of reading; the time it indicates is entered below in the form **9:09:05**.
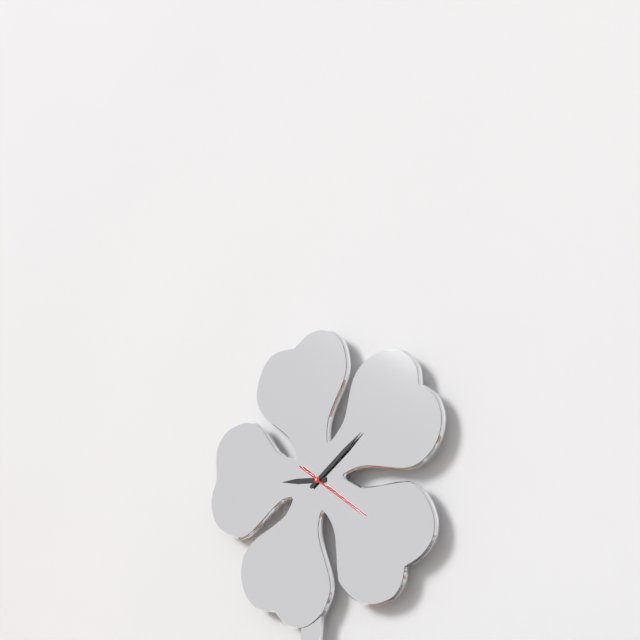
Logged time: **9:09:21**
